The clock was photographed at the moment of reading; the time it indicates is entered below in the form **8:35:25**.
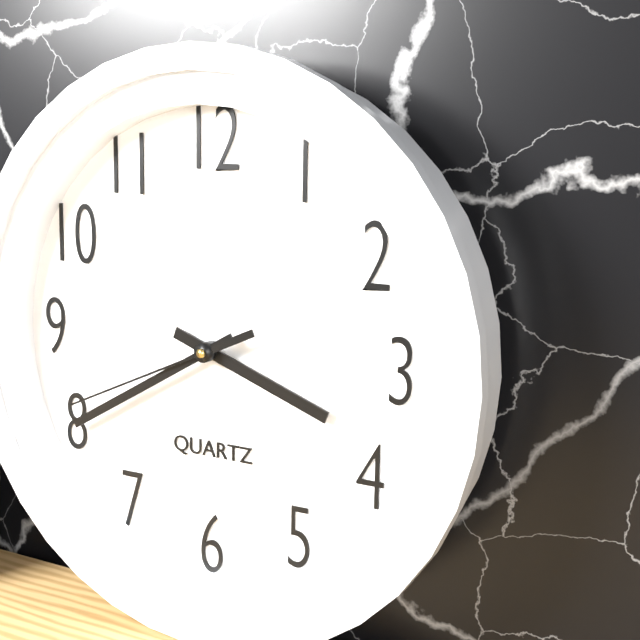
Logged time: **3:40:41**
